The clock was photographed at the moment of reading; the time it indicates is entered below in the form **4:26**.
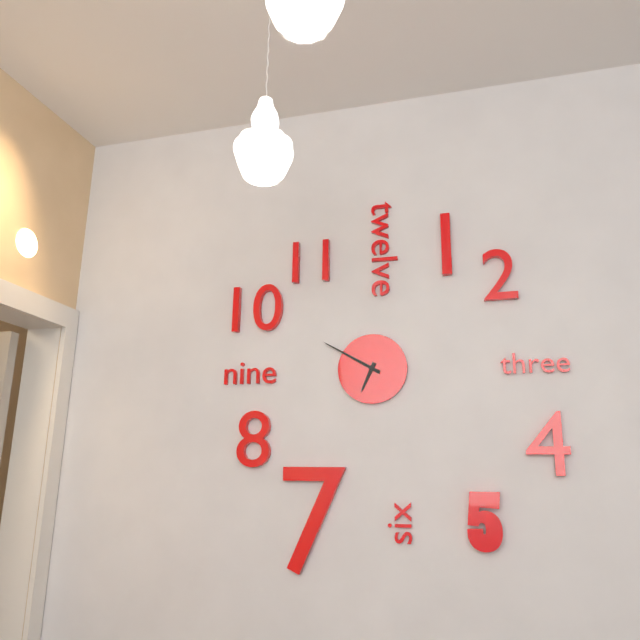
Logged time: **6:50**
